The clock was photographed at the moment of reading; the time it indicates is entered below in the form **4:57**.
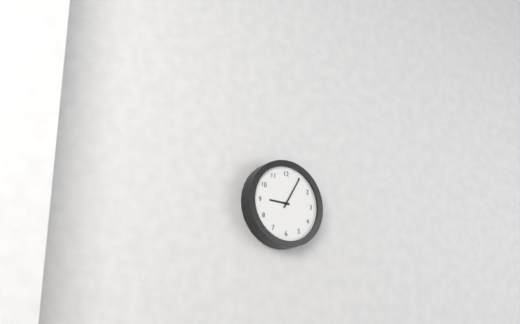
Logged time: **9:05**
